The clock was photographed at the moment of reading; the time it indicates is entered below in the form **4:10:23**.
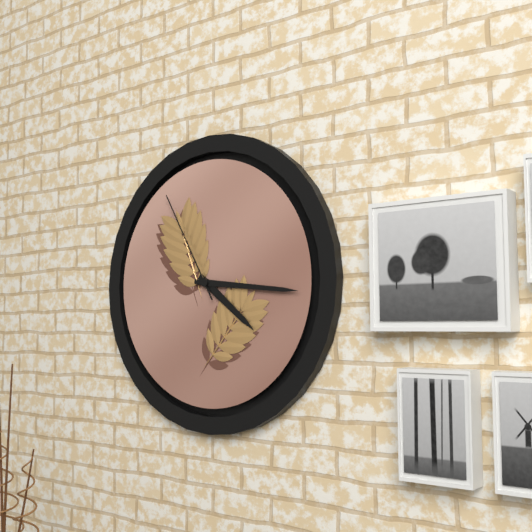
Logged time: **4:16:55**
